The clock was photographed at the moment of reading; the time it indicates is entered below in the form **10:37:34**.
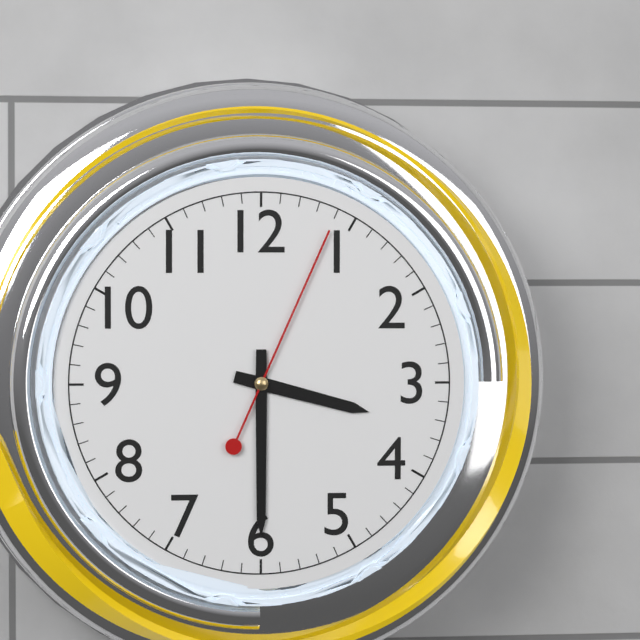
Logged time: **3:30:04**
